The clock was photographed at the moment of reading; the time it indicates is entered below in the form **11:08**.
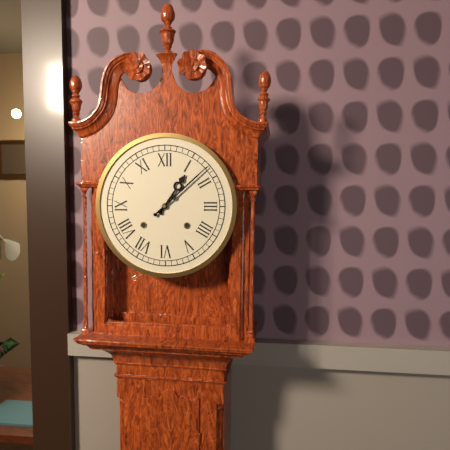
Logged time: **1:08**
